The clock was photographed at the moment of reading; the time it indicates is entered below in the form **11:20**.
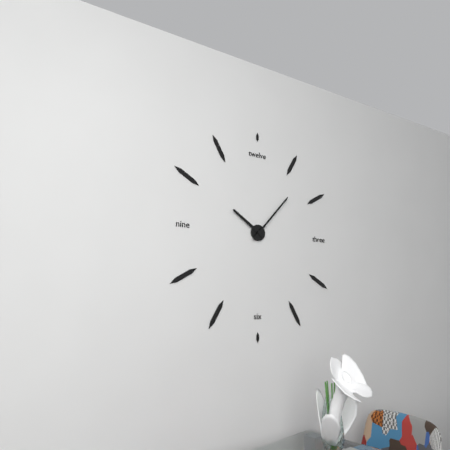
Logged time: **10:07**
